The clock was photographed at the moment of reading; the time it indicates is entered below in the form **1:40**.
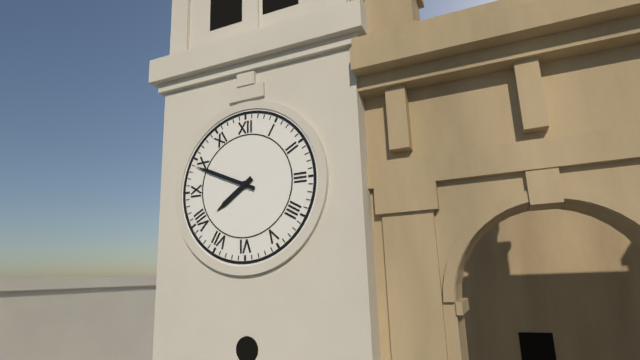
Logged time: **7:49**
